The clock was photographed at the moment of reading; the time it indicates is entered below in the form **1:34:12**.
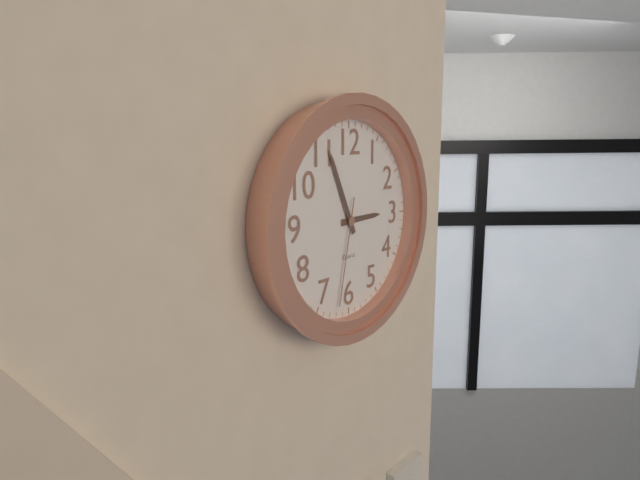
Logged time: **2:56:32**
